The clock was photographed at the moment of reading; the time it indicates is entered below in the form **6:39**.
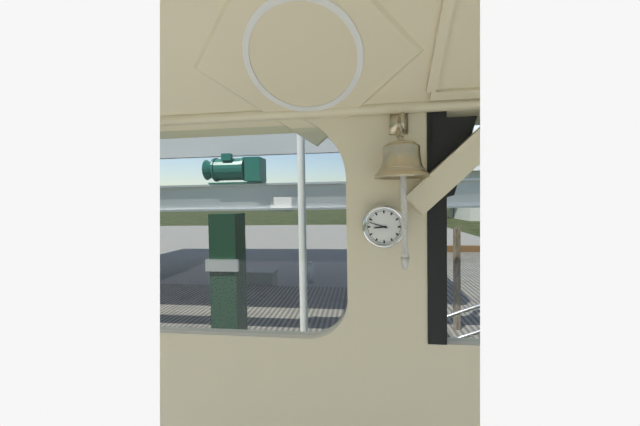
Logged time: **8:48**
